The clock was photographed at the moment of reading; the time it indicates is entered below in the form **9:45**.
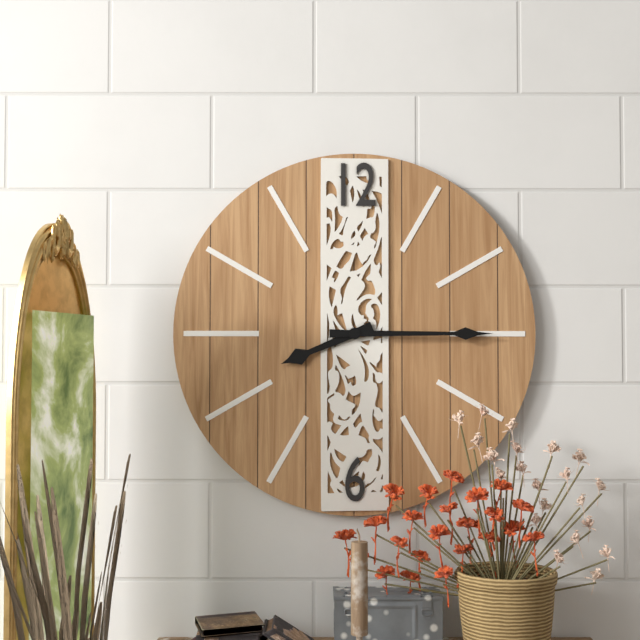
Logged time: **8:15**
